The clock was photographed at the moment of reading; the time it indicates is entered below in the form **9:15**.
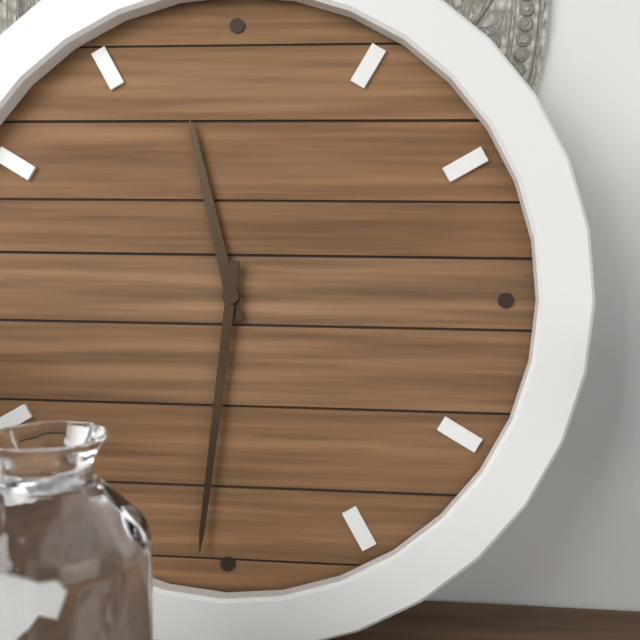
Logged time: **11:31**
